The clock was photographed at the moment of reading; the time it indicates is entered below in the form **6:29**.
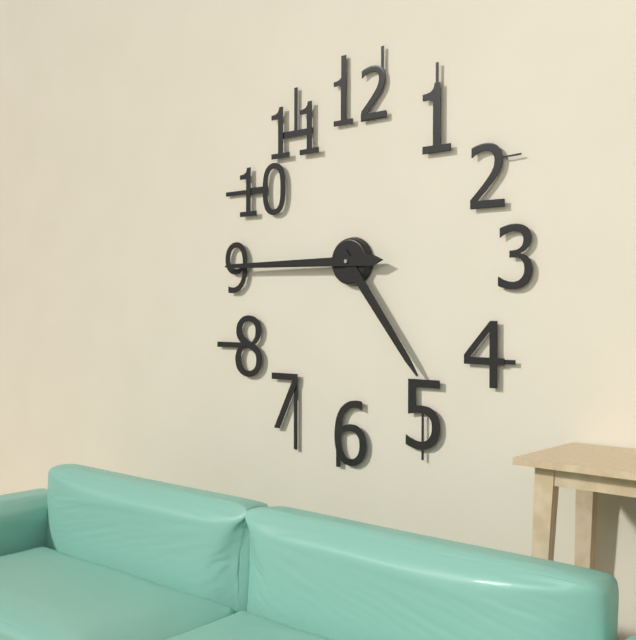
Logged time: **4:45**
